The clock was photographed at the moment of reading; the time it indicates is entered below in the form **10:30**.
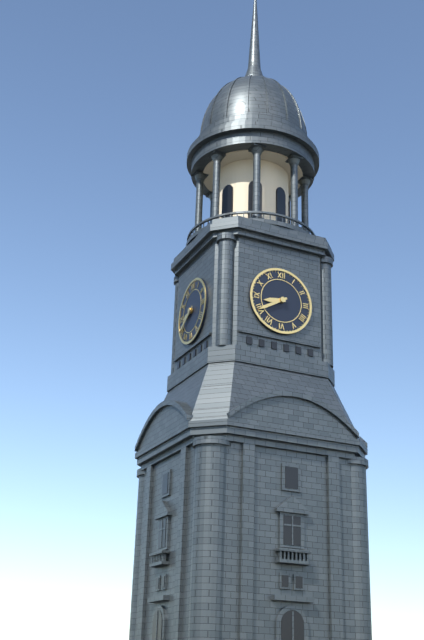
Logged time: **8:40**
